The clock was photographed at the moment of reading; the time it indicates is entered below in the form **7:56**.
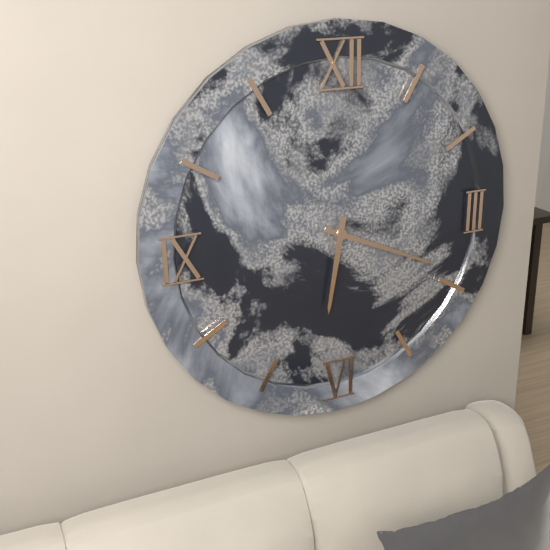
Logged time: **6:19**
